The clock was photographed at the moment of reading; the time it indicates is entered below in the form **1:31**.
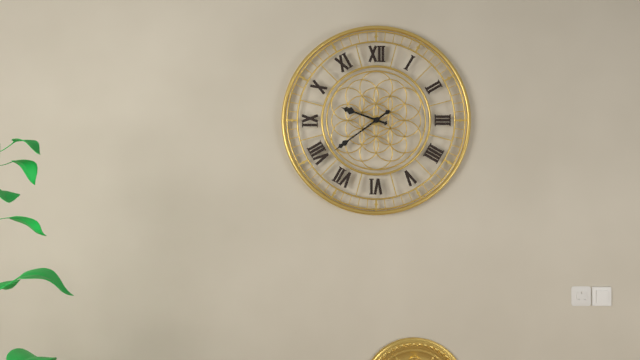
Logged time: **9:39**
